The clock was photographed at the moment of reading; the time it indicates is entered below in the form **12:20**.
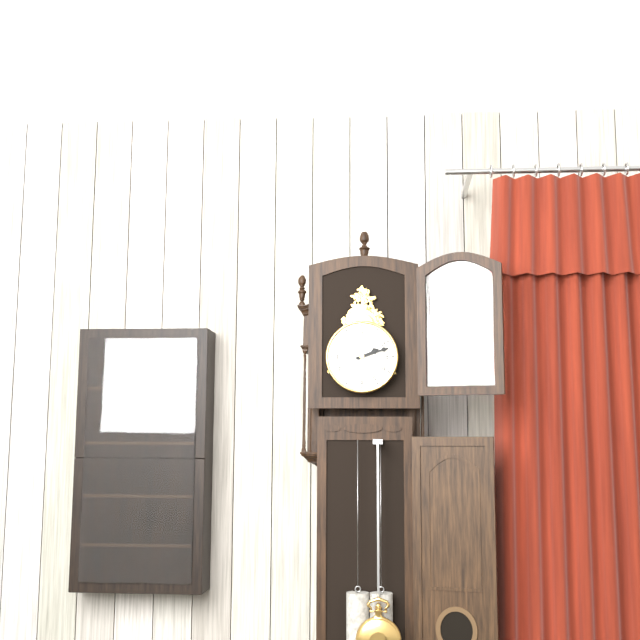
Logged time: **2:12**
